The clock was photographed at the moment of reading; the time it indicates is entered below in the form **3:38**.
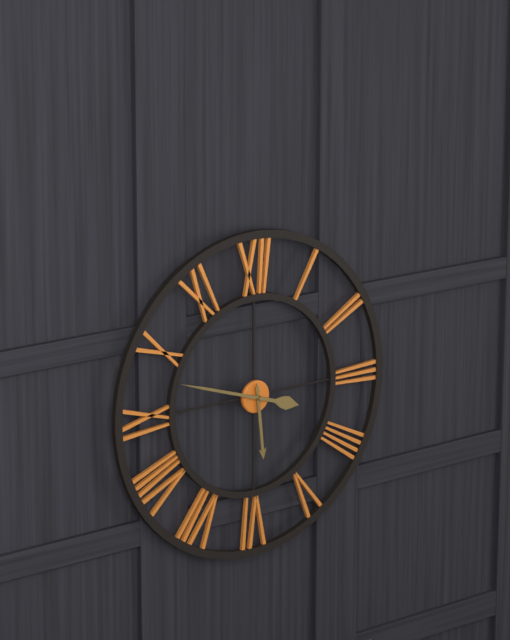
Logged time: **5:48**
